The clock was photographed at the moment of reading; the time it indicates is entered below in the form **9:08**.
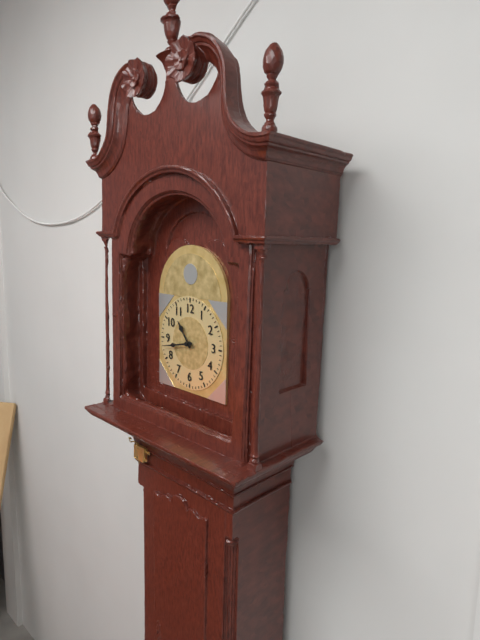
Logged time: **10:43**
